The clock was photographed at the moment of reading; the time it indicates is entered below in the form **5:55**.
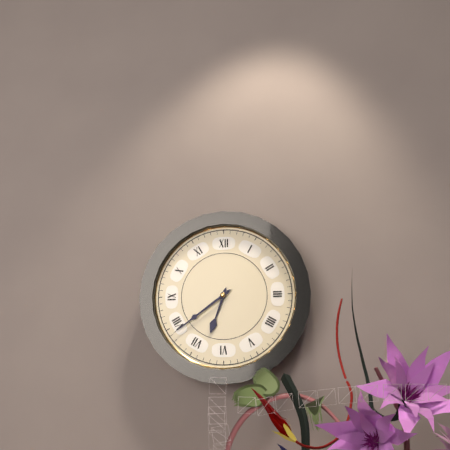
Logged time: **6:39**
